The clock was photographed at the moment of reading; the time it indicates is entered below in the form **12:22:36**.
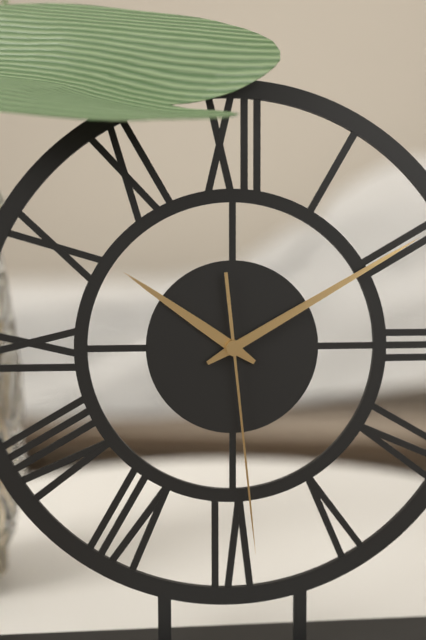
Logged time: **10:10:29**
